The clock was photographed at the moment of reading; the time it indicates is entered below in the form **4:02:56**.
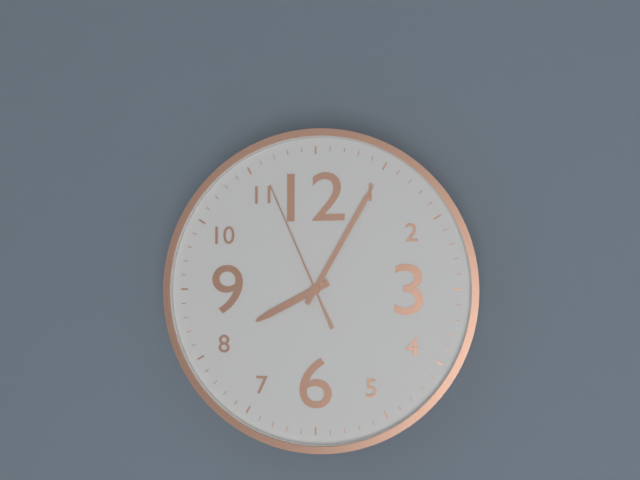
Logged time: **8:05:56**
